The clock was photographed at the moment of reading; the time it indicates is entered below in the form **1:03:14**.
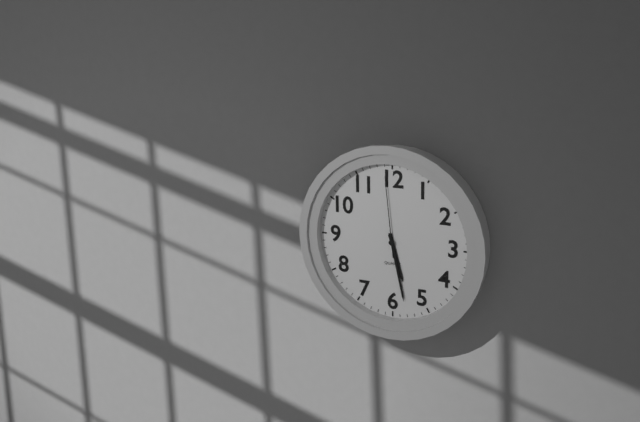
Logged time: **5:28:59**
